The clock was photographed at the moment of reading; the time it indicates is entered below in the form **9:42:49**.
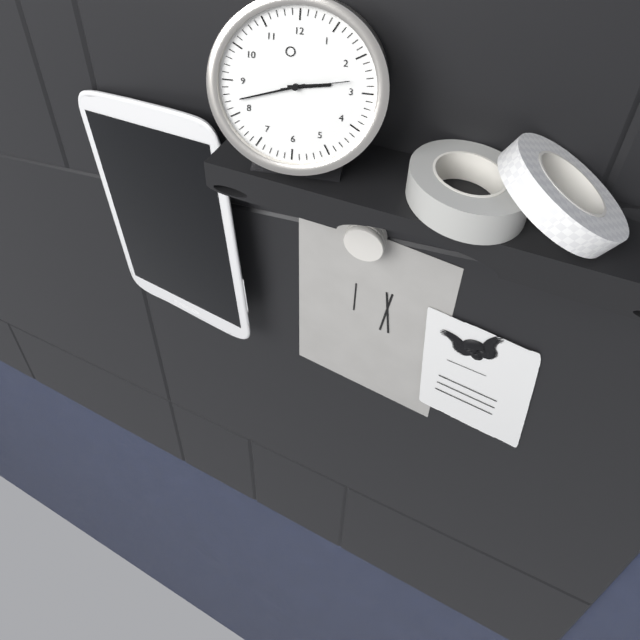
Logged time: **2:42:13**
